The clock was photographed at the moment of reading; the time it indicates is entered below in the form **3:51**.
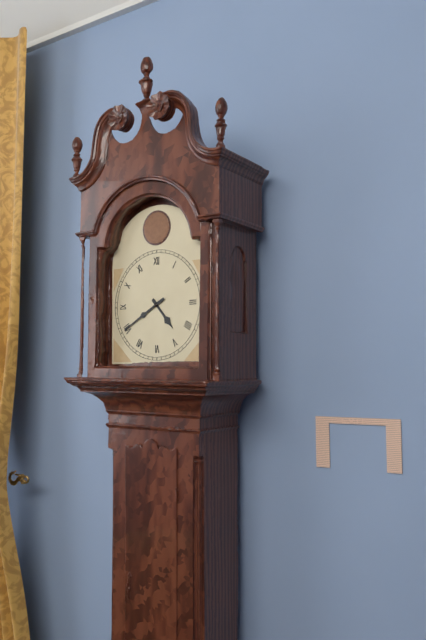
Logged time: **4:40**
